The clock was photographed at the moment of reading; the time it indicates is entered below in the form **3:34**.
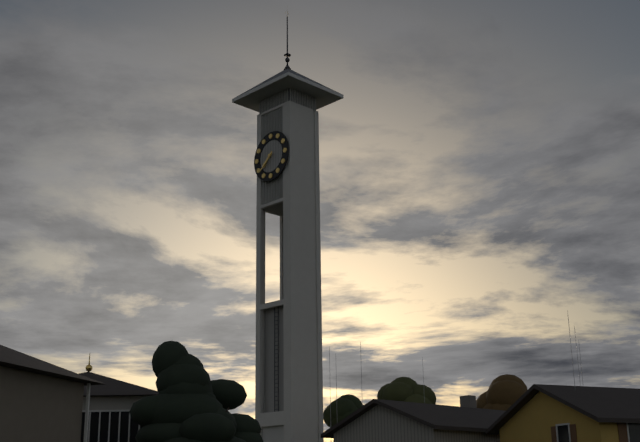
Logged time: **7:38**
